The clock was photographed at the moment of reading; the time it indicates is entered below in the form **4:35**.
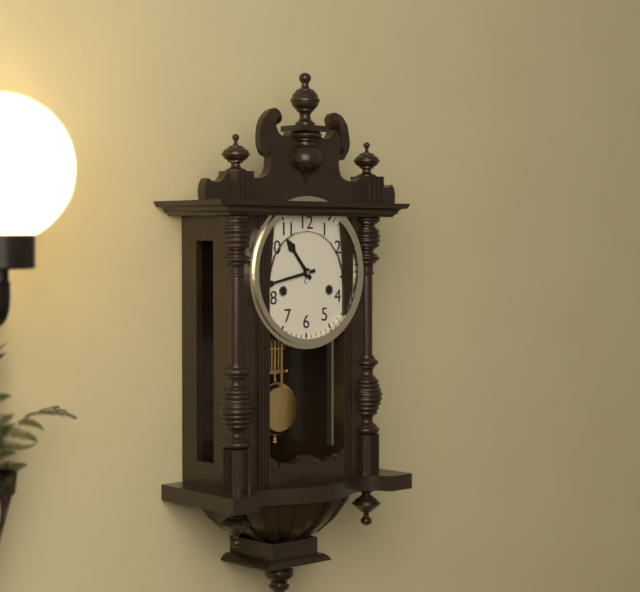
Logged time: **10:43**
